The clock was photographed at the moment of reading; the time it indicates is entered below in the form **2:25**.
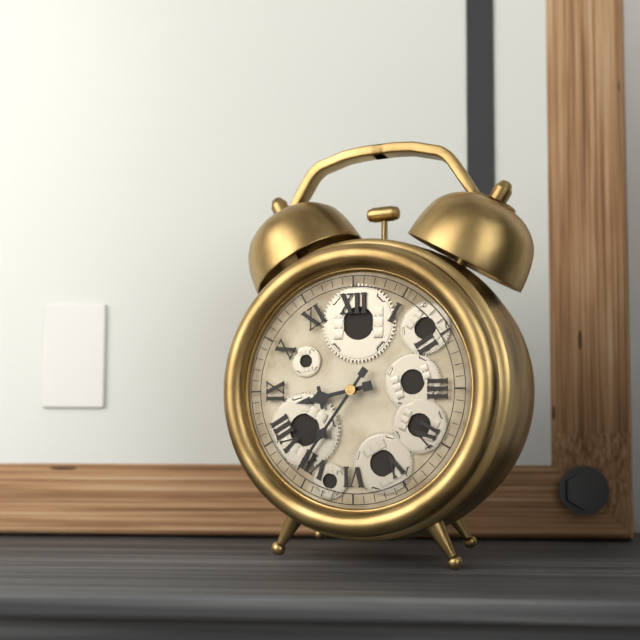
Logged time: **8:36**
